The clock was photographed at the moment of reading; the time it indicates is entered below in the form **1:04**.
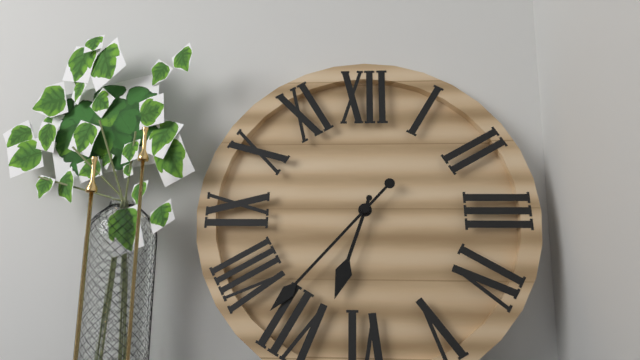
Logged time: **6:37**
